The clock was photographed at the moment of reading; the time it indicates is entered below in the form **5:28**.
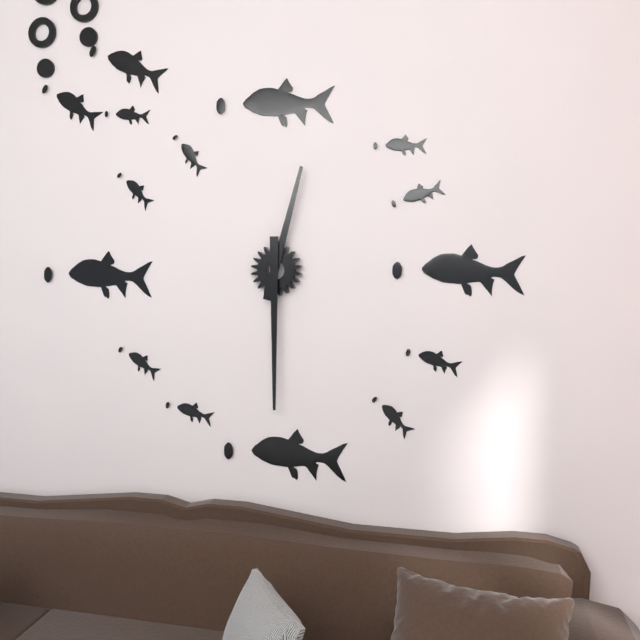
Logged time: **12:30**
